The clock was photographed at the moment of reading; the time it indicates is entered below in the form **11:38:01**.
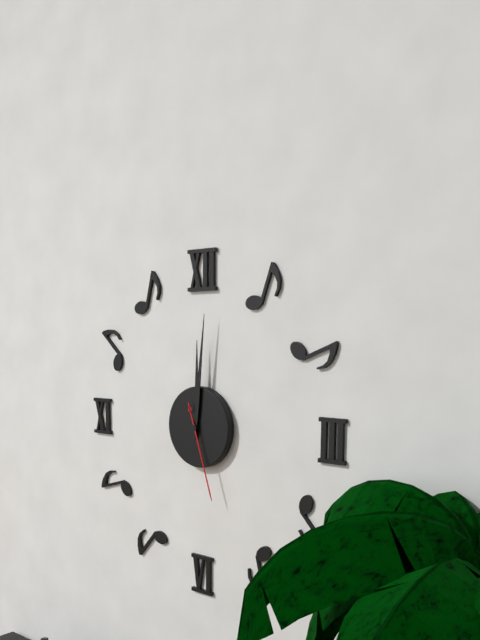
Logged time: **12:01:27**
